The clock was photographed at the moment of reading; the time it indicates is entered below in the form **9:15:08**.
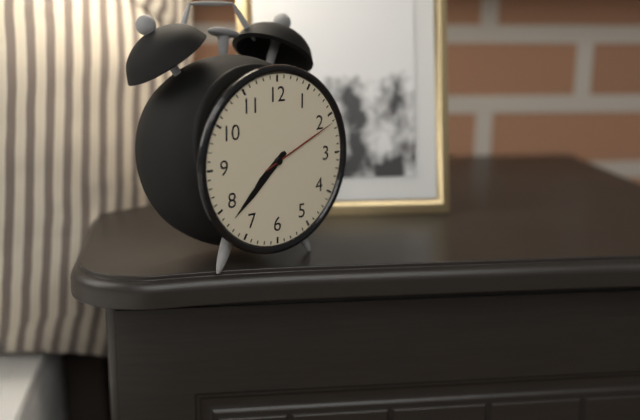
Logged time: **7:38:11**
